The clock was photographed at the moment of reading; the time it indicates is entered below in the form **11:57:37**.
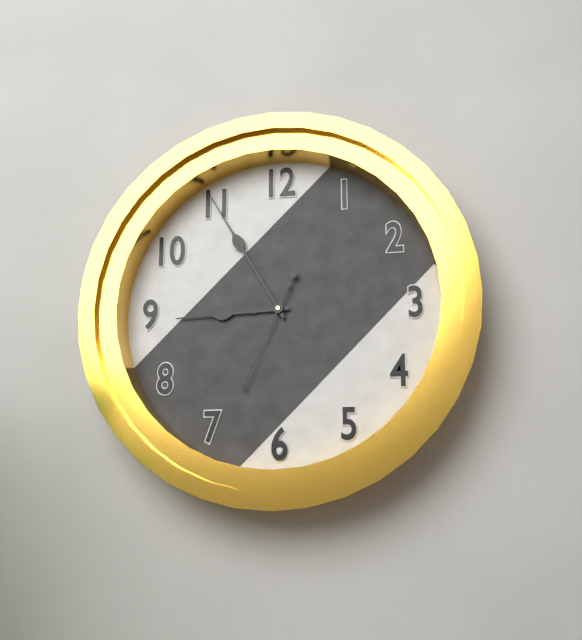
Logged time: **8:55:34**
